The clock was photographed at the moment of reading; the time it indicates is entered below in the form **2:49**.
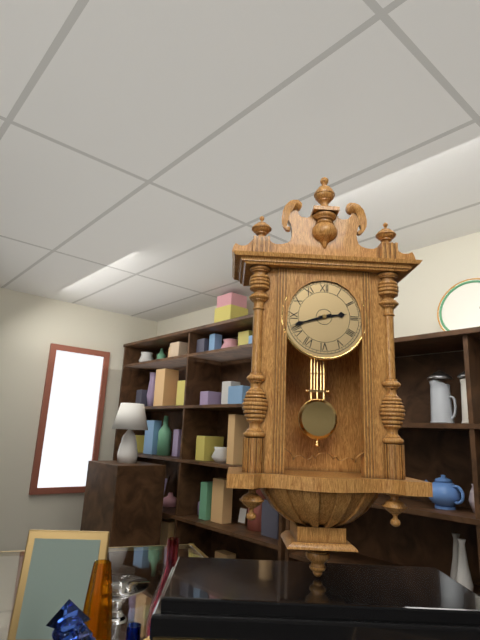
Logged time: **2:42**
